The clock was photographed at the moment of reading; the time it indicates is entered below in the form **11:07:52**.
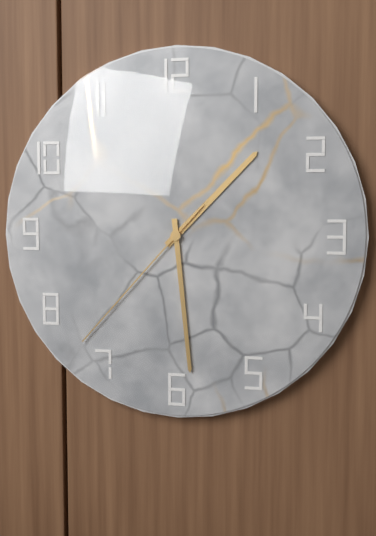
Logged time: **1:29:37**
